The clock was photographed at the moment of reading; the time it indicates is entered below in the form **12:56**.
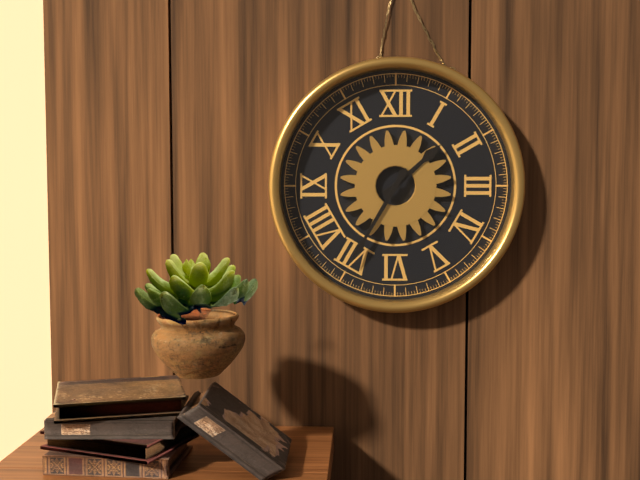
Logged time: **1:35**
